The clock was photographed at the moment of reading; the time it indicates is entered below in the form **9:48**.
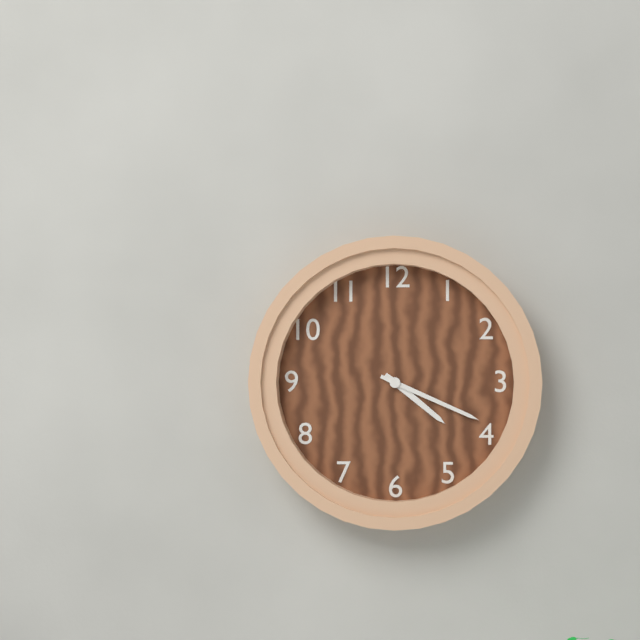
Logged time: **4:19**
